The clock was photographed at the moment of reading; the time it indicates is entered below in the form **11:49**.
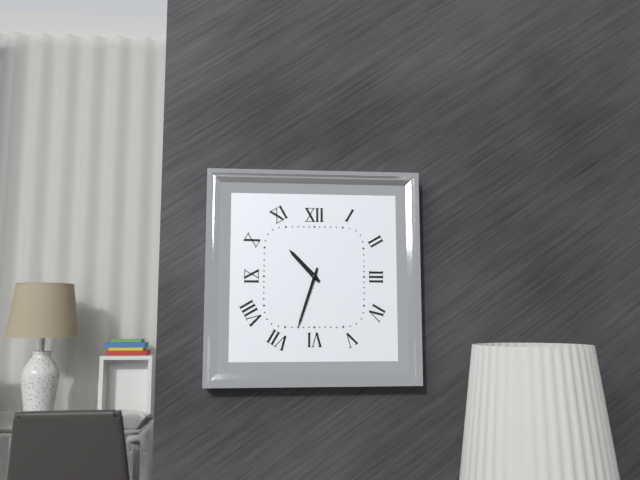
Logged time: **10:33**
